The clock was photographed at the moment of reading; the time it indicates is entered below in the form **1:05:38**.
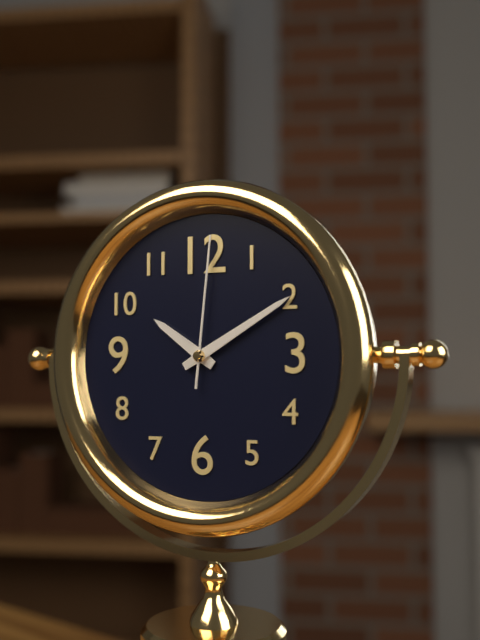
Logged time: **10:10:01**
